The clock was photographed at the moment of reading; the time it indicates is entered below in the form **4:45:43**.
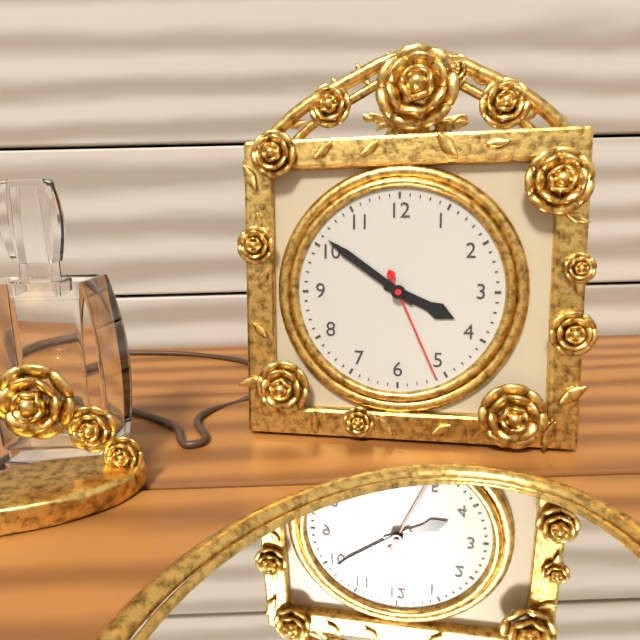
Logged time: **3:51:26**
